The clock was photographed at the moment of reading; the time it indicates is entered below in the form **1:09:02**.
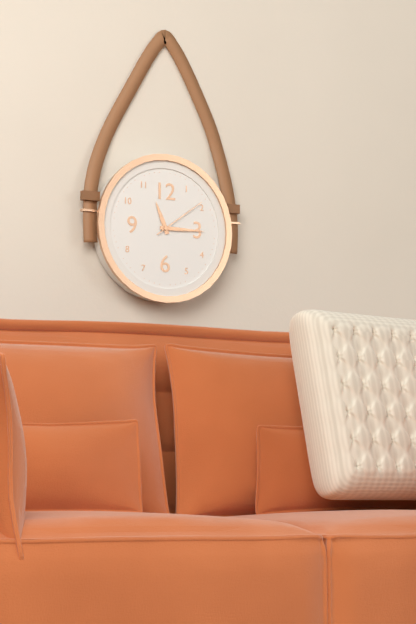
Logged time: **11:15:09**
